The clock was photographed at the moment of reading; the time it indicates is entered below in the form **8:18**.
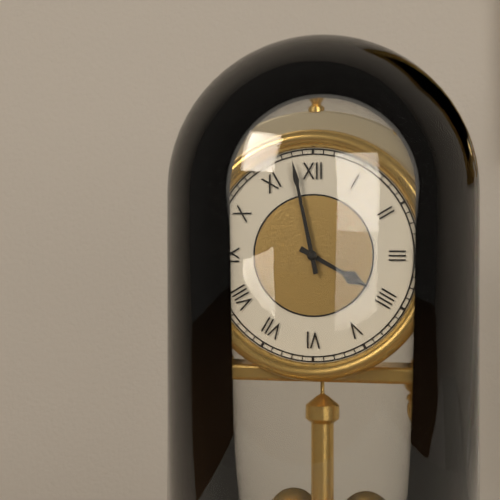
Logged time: **3:58**
